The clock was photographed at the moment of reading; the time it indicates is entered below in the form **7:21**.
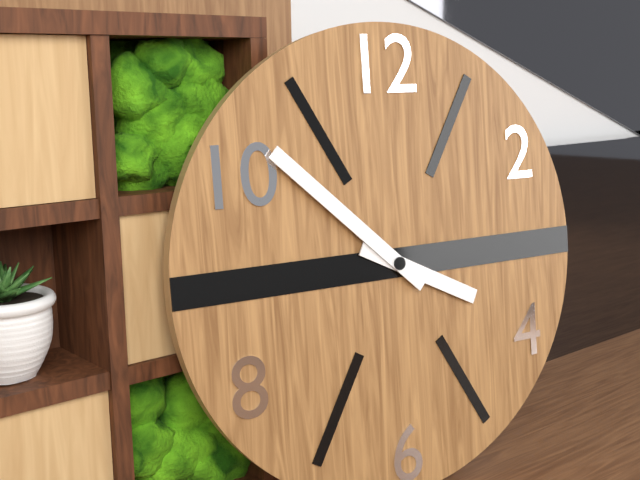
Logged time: **3:52**
